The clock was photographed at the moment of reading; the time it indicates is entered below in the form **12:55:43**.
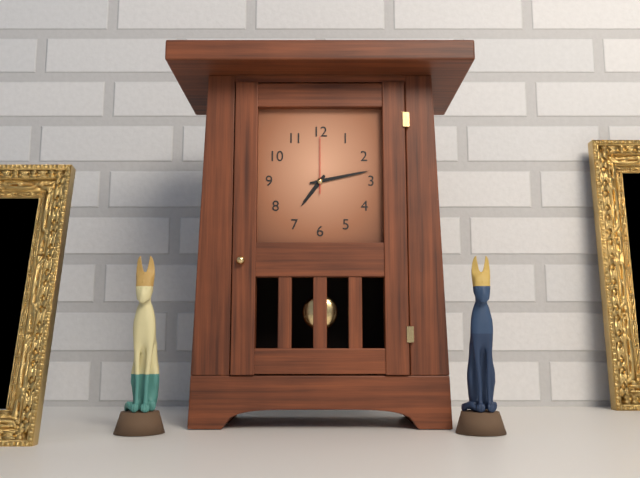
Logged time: **7:13:00**
